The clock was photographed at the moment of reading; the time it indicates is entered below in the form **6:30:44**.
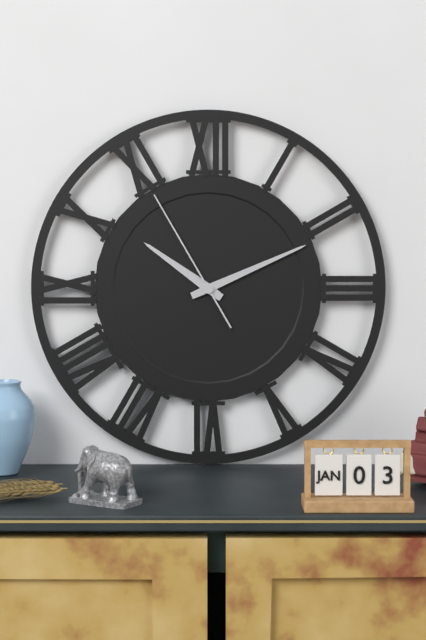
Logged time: **10:11:55**
